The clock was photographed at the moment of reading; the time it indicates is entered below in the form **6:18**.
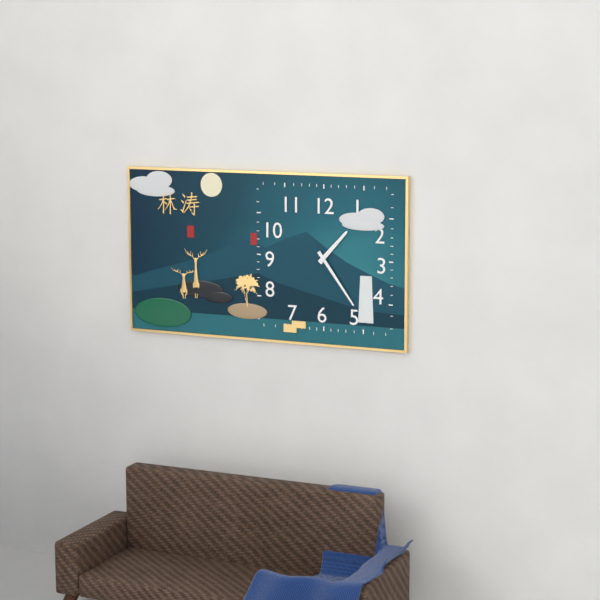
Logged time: **1:24**
